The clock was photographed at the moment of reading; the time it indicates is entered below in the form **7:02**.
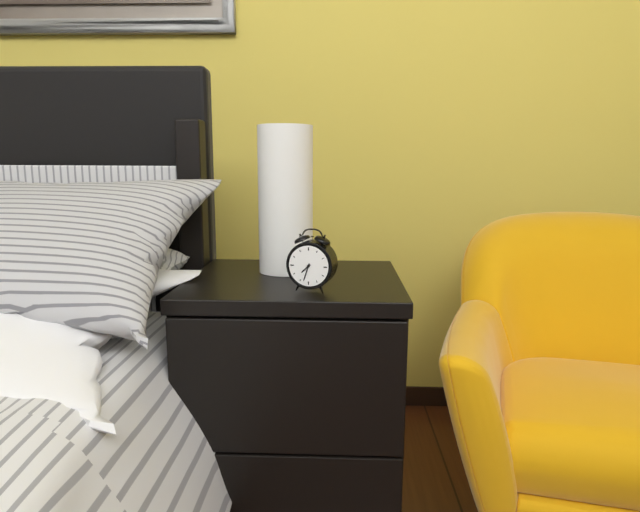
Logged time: **7:33**
